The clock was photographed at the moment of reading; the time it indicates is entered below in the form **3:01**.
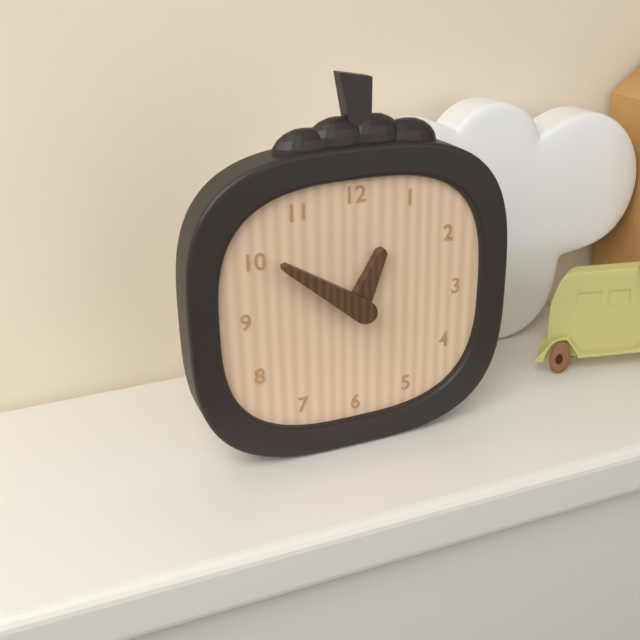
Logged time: **12:51**
